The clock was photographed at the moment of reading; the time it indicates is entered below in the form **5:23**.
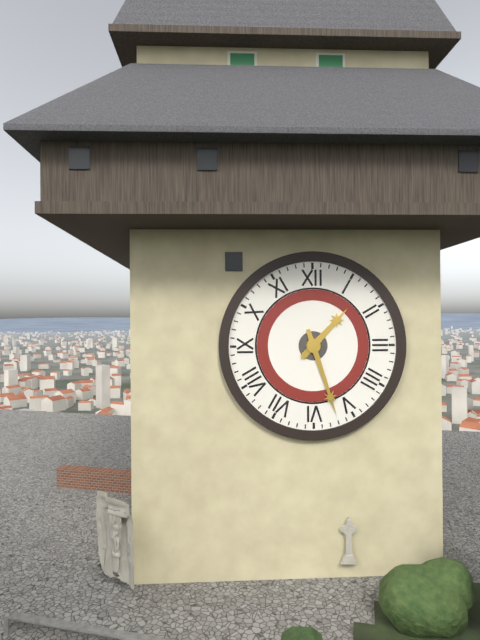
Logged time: **1:27**
